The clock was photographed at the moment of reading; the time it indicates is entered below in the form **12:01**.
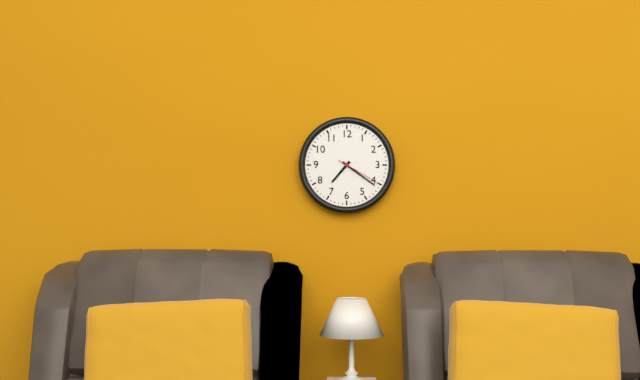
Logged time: **7:21**
